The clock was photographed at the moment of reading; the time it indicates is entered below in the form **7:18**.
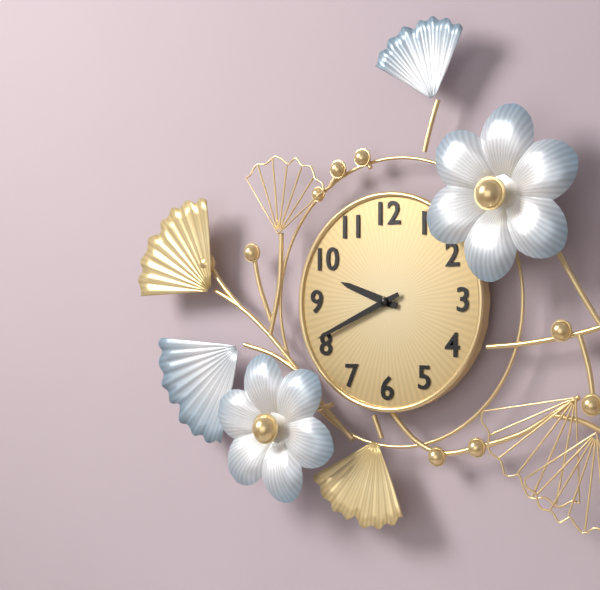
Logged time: **9:41**
